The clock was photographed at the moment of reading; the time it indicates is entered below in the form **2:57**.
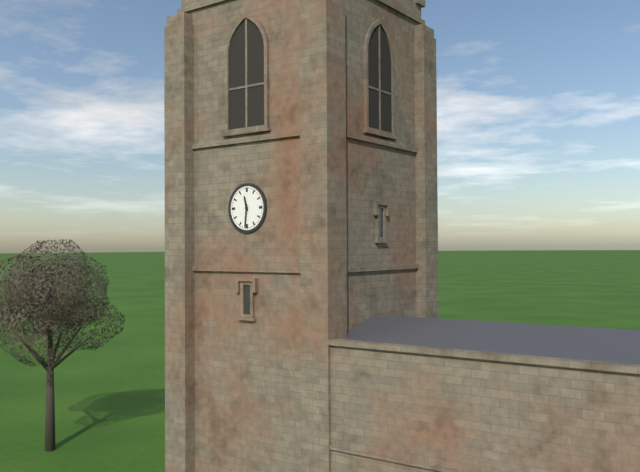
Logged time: **11:31**
